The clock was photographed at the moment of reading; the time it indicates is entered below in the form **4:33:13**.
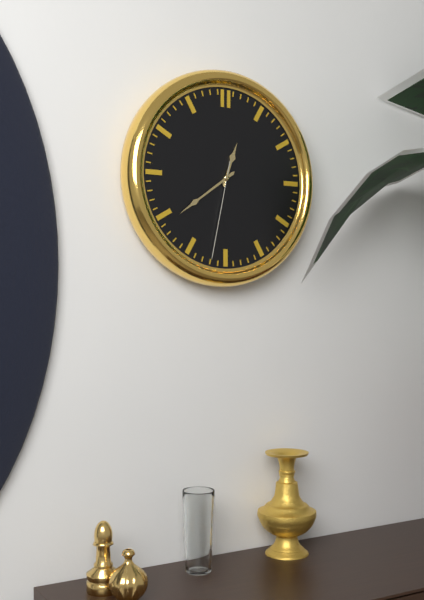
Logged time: **12:39:32**
